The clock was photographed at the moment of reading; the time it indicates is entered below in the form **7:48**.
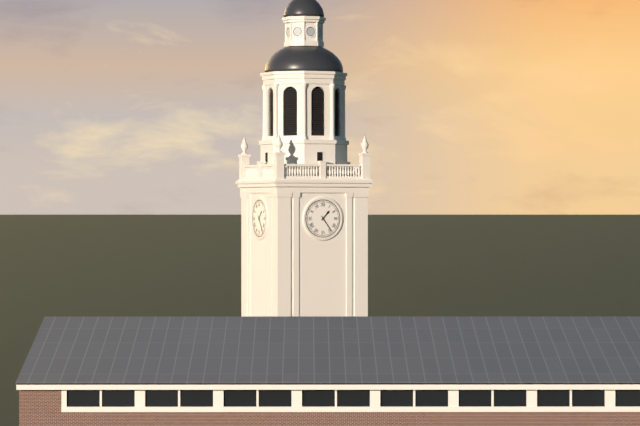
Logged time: **1:24**
